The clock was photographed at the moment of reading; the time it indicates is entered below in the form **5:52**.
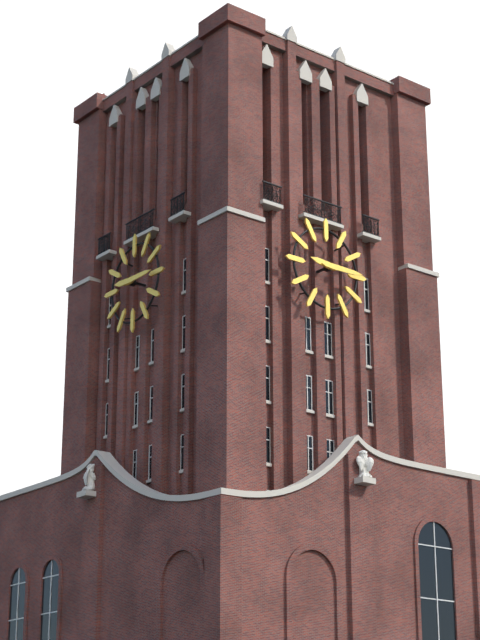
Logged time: **9:15**
